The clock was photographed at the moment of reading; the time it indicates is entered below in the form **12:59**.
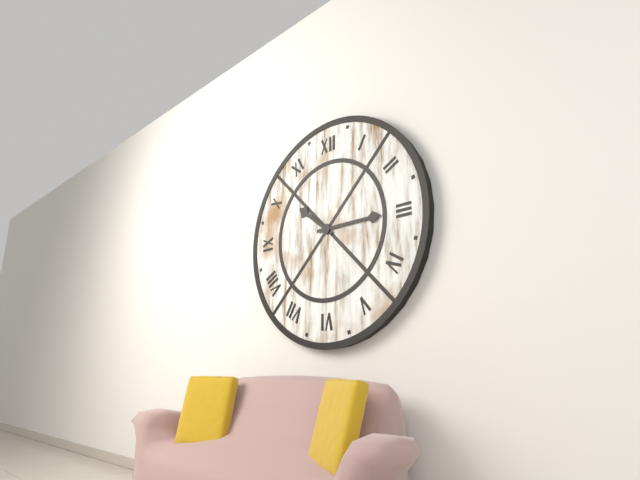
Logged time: **10:15**
